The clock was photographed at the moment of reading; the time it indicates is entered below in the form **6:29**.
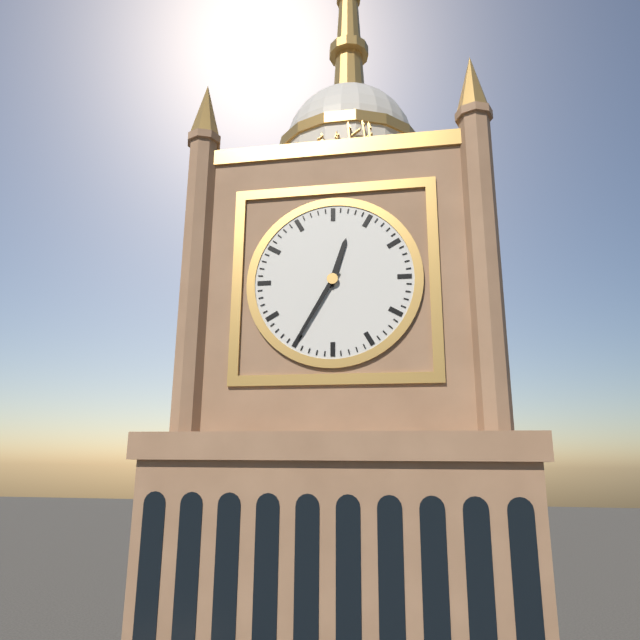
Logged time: **12:35**
